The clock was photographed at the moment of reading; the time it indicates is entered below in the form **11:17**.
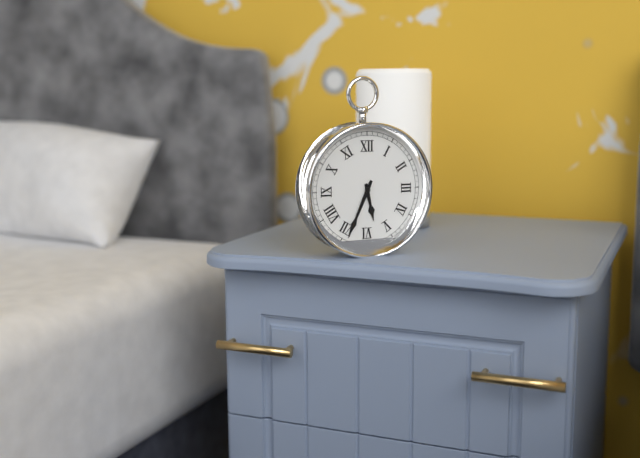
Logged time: **5:34**
